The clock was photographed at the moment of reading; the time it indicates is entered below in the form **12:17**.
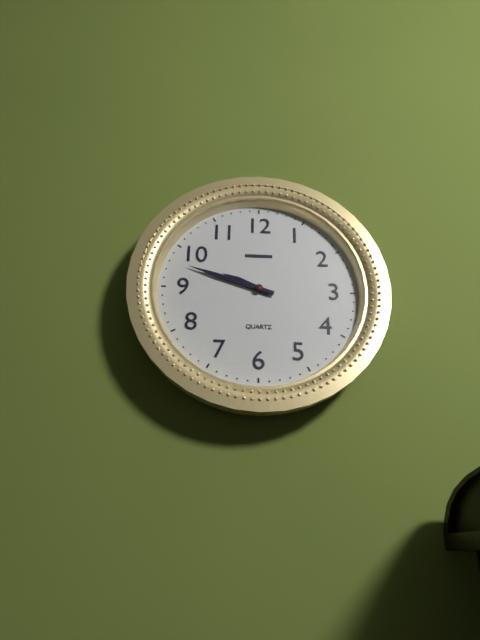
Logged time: **9:48**
